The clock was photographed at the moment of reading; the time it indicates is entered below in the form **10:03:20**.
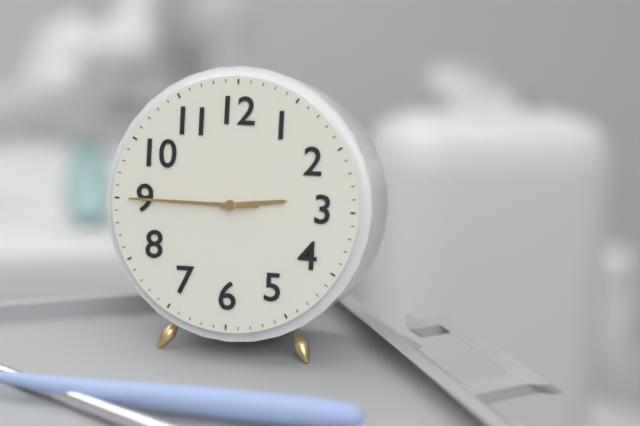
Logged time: **2:45:45**
